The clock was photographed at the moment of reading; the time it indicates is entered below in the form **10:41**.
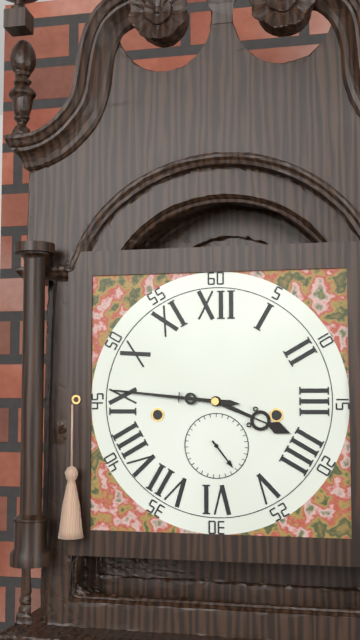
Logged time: **3:46**
